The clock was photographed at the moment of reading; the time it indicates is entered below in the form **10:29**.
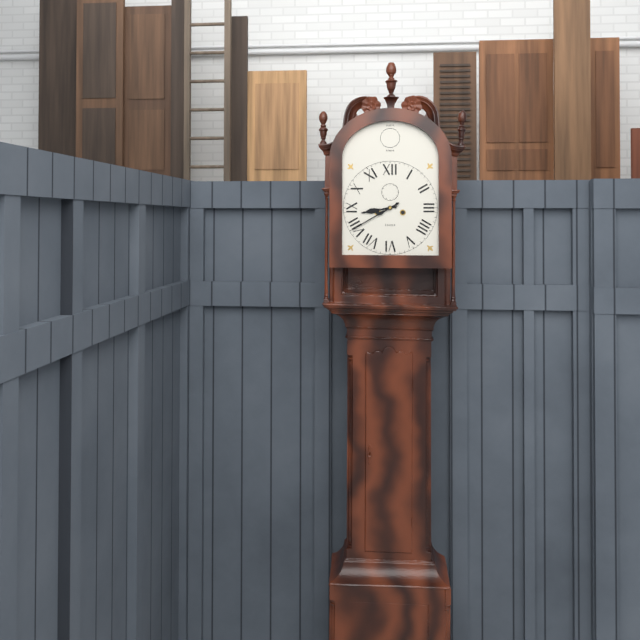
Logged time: **8:40**
